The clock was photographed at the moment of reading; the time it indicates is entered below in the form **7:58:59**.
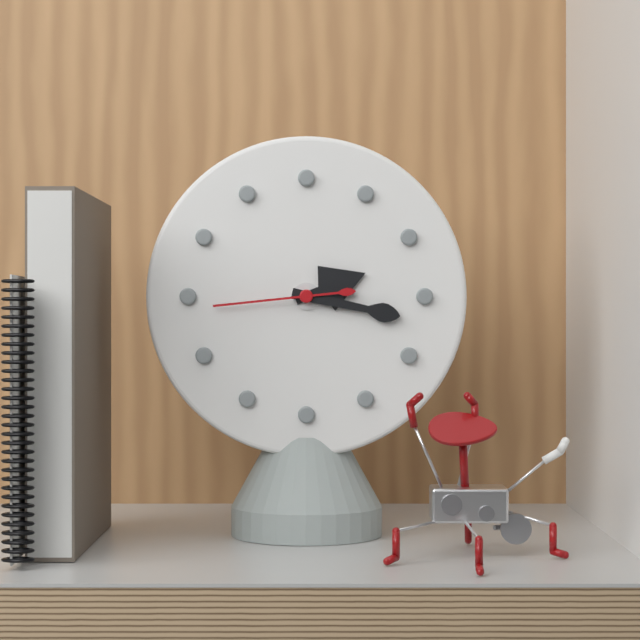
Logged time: **2:17:44**
